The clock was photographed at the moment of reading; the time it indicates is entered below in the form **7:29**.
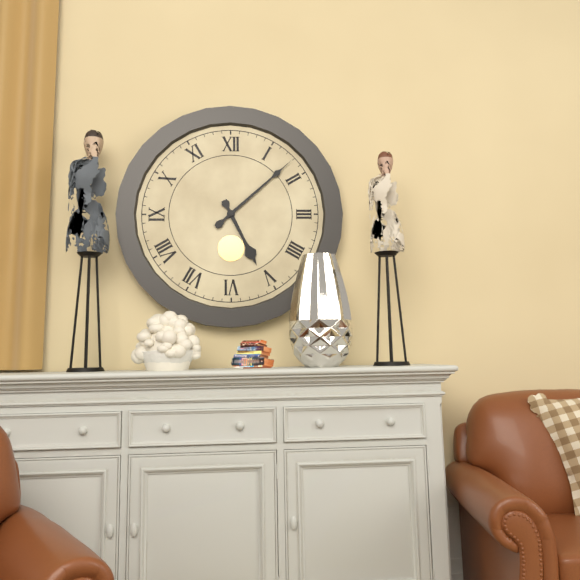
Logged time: **5:08**
